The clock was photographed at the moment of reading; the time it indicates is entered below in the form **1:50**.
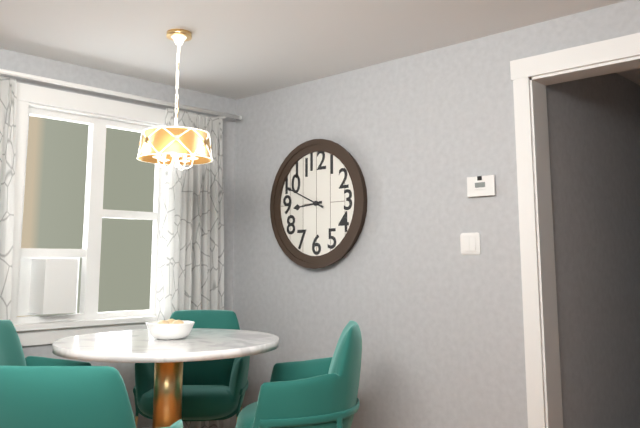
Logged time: **8:49**
